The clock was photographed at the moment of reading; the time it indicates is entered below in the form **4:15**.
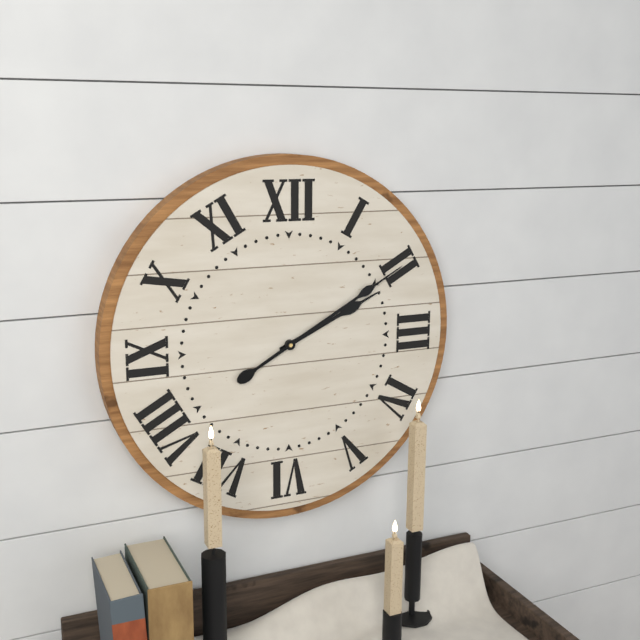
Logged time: **2:10**
